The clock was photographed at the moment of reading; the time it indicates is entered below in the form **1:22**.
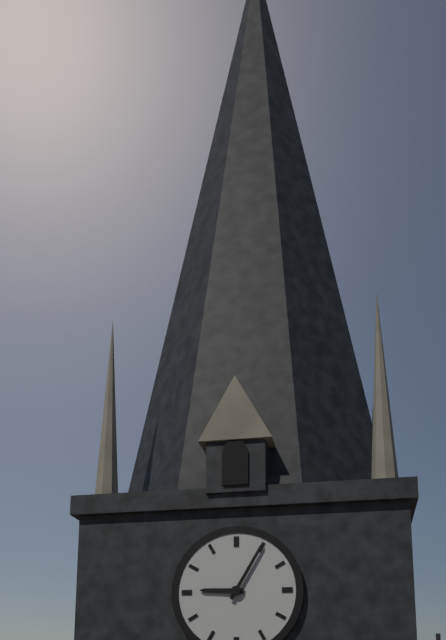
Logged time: **9:05**
